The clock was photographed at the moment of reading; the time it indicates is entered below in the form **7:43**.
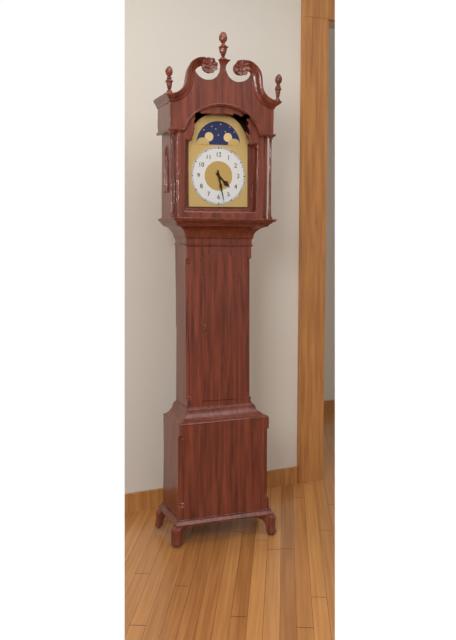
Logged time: **4:28**
